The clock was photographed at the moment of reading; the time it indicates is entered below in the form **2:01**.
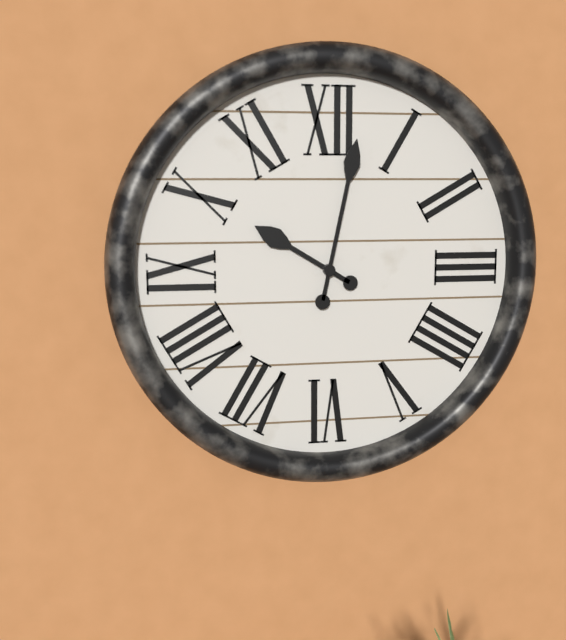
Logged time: **10:02**
